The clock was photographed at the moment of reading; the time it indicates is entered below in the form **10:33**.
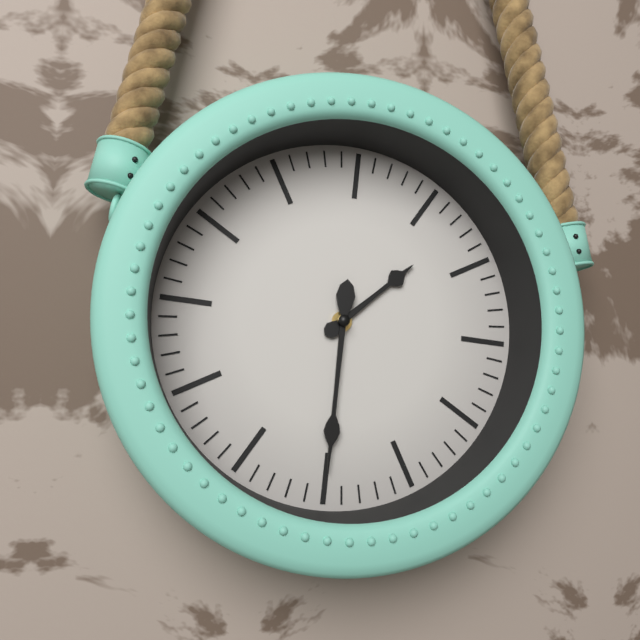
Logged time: **1:30**
